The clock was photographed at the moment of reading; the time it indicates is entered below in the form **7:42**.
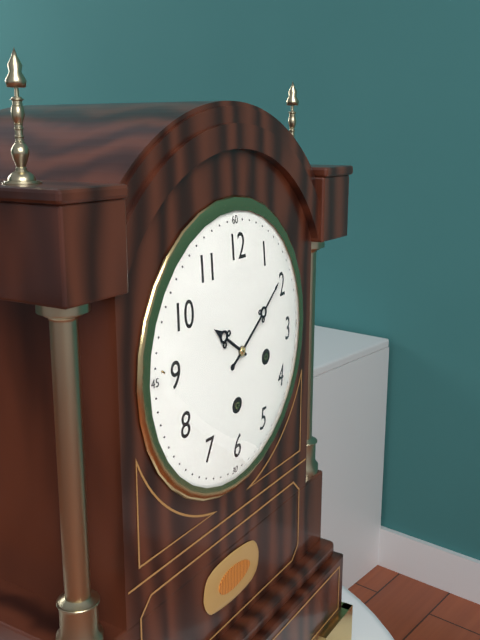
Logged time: **10:09**
